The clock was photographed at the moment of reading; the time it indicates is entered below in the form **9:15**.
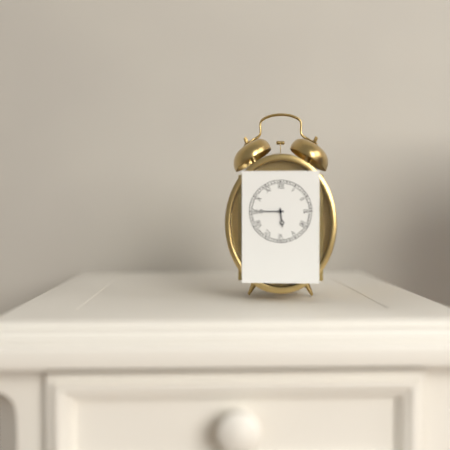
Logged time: **5:45**
